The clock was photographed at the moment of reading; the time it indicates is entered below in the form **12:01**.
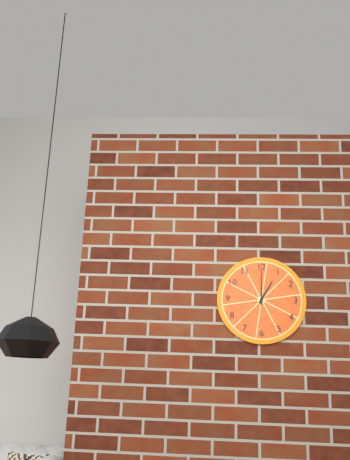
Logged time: **1:00**
